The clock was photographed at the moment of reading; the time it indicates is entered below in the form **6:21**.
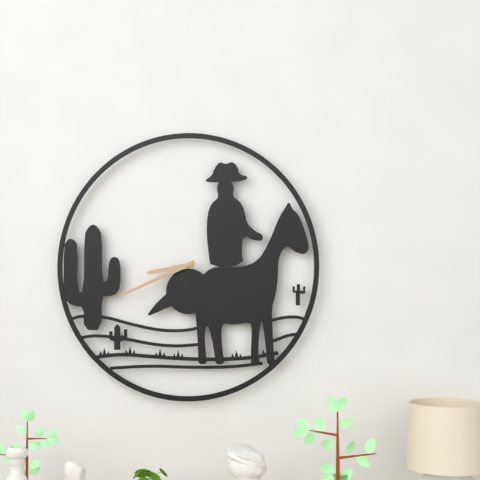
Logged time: **8:41**
